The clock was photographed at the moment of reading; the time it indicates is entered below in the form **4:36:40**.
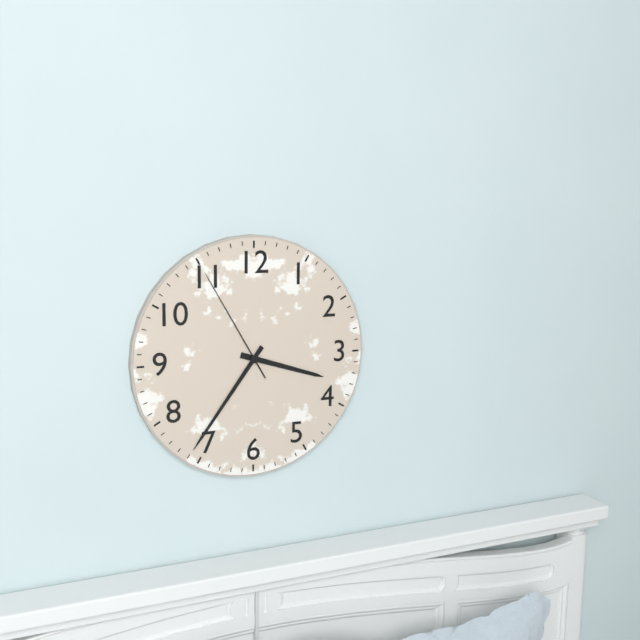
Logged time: **3:36:55**
